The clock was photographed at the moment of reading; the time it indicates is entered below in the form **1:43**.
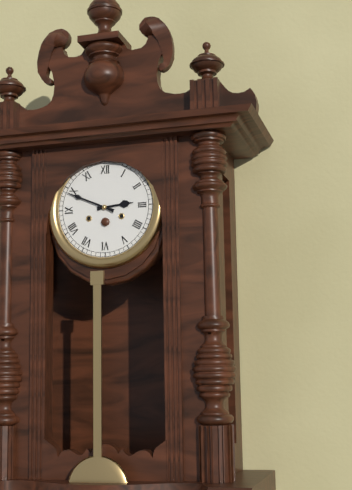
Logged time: **2:49**
